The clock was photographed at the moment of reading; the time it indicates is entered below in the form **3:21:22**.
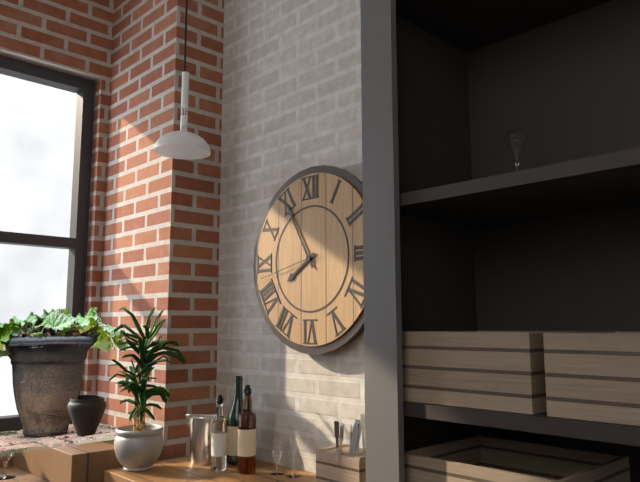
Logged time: **7:55:43**
